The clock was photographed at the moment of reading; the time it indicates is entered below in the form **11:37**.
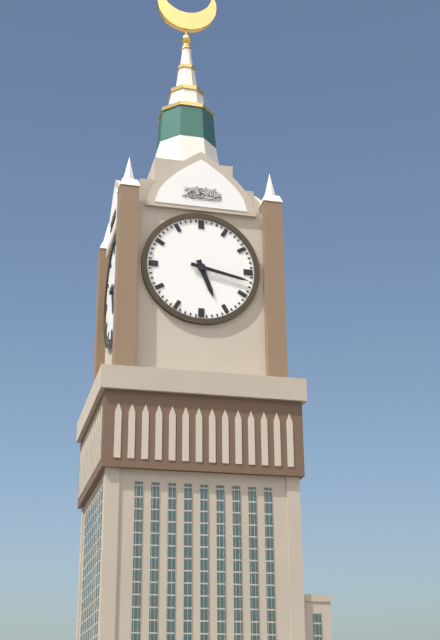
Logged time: **5:17**
